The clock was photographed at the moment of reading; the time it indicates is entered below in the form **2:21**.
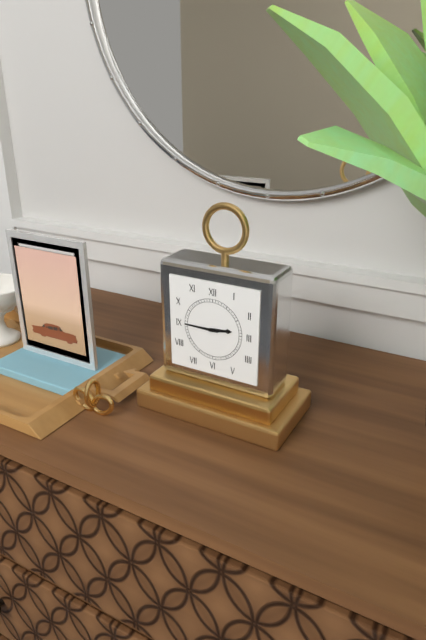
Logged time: **2:45**
